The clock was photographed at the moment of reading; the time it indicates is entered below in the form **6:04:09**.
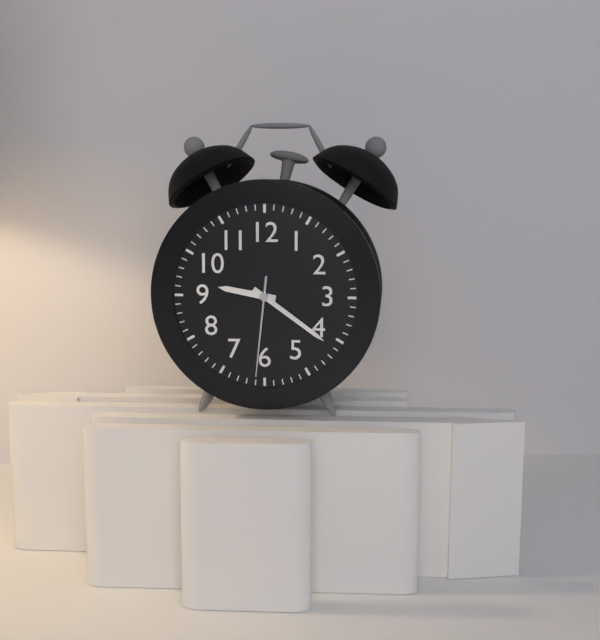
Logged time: **9:21:31**
